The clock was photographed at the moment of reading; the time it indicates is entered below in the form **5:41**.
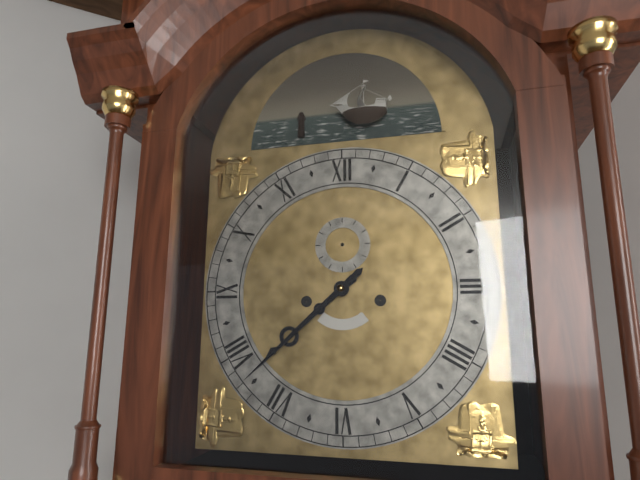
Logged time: **7:38**
